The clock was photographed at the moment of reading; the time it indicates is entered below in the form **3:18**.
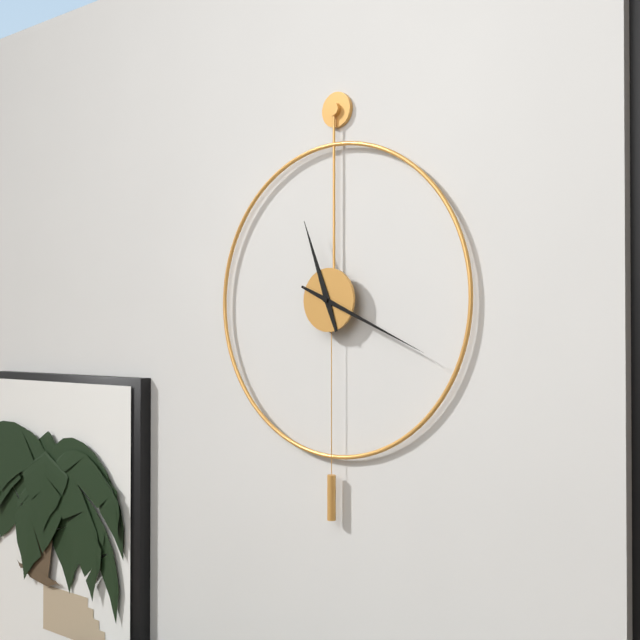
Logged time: **11:19**
